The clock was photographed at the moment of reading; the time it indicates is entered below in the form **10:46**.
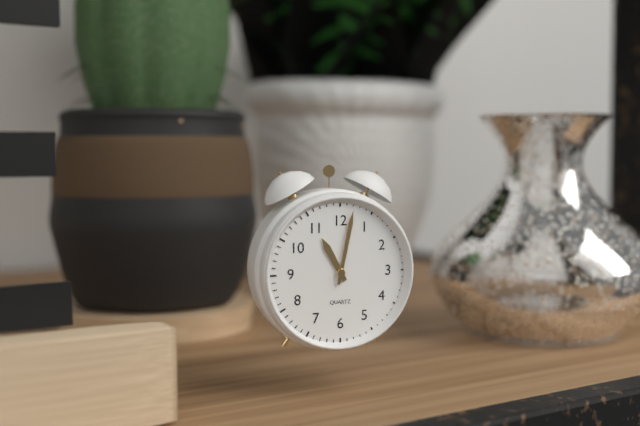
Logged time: **11:02**
